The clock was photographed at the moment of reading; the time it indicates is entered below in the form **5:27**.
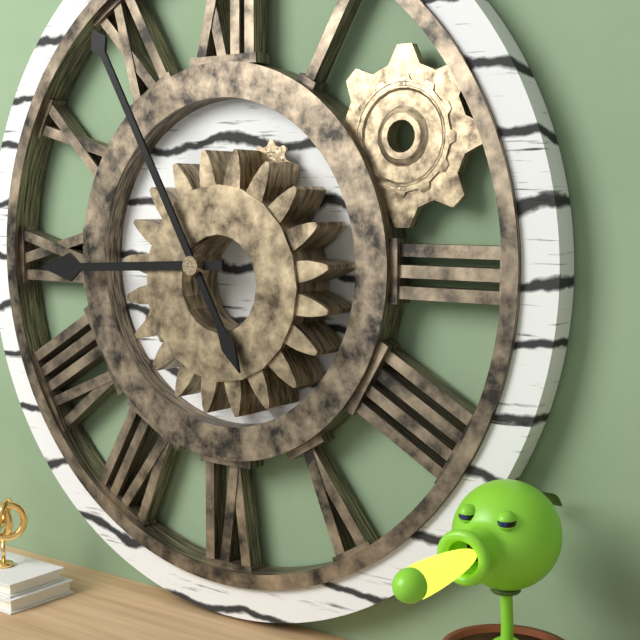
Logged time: **8:55**
